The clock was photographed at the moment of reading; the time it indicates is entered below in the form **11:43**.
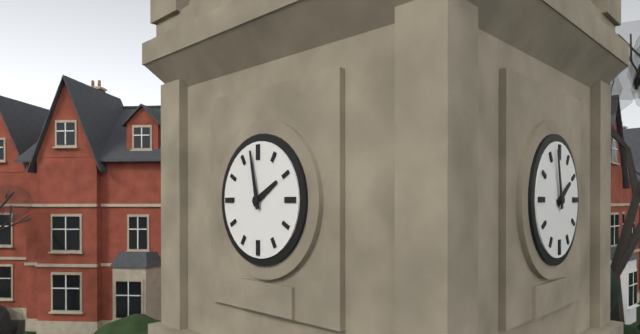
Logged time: **1:58**
